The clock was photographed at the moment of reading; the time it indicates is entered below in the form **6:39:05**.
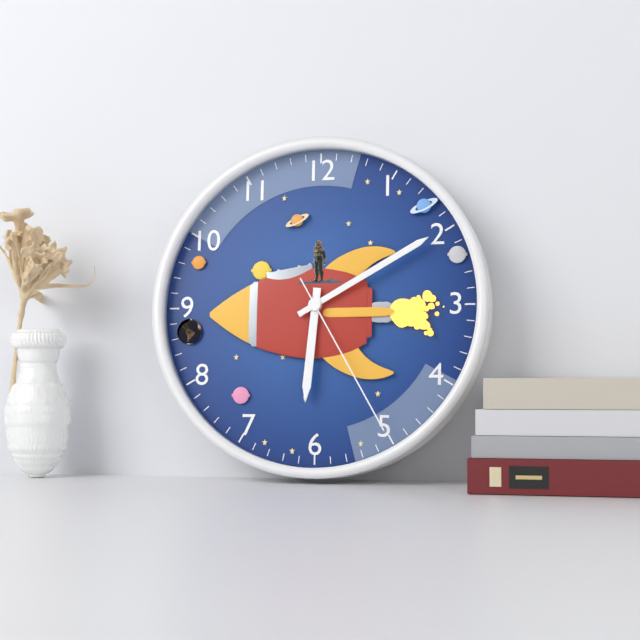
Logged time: **6:10:25**
